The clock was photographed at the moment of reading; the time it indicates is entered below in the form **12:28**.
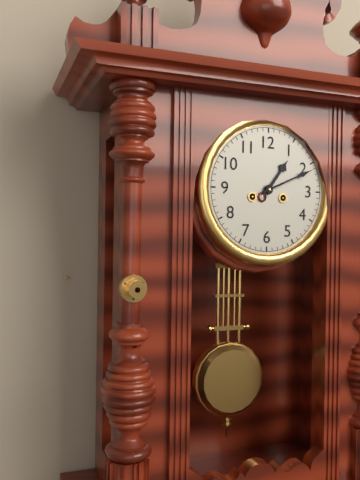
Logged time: **1:11**
